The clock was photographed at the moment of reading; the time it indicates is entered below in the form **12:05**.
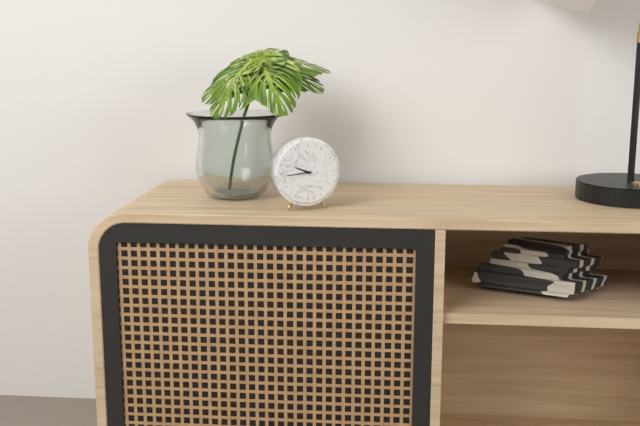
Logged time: **9:44**
